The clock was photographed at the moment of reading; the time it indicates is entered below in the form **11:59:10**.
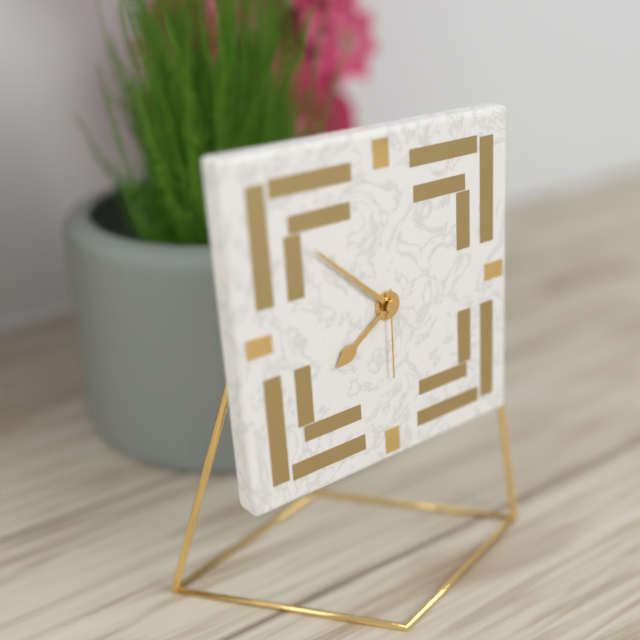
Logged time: **7:52:30**
